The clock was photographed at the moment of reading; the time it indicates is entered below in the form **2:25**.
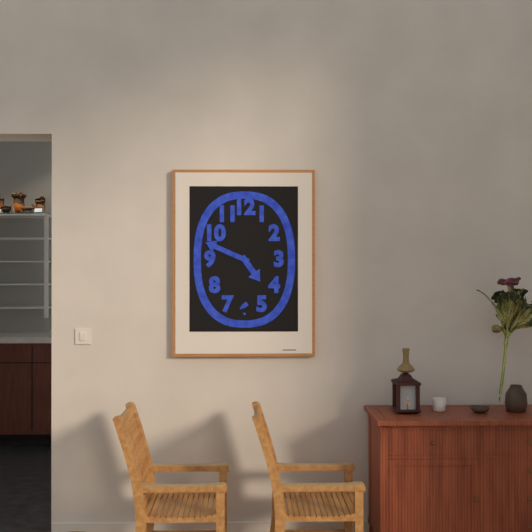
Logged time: **4:49**
